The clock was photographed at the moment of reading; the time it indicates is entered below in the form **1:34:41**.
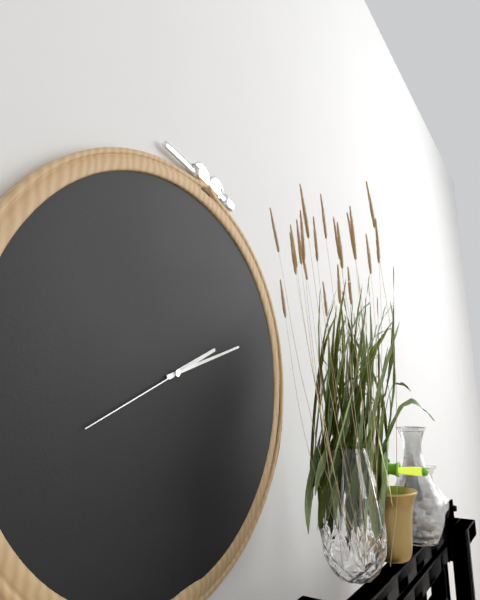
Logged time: **2:12:41**
